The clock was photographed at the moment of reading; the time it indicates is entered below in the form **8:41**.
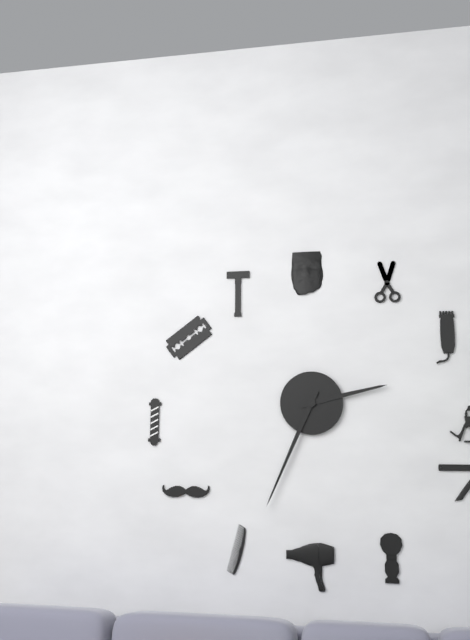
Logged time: **2:34**
